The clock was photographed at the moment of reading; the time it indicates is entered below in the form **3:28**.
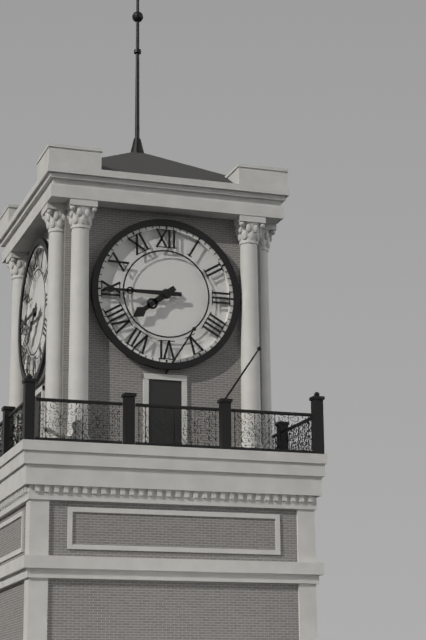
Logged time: **7:45**
